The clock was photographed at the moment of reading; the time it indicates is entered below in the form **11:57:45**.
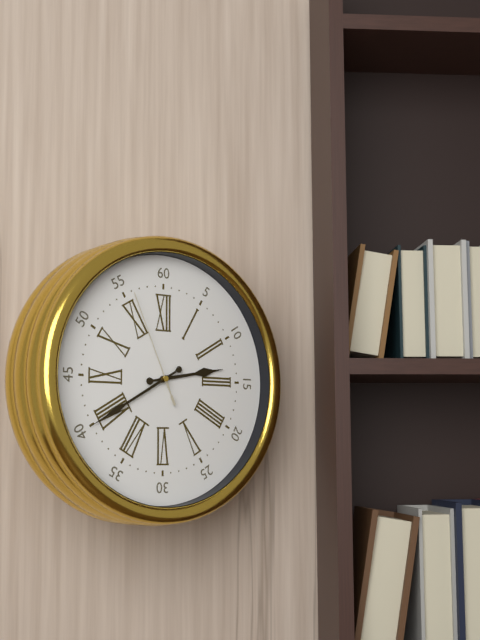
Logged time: **2:40:56**
